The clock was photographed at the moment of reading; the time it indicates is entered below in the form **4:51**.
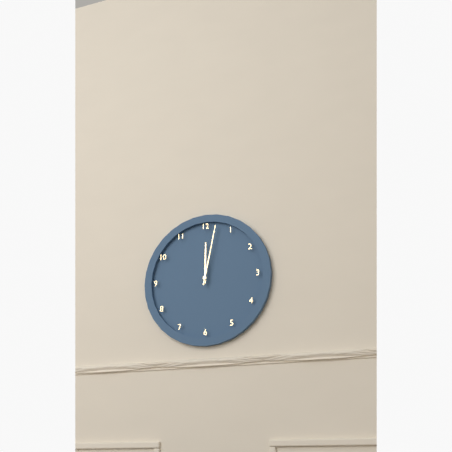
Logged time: **12:02**
